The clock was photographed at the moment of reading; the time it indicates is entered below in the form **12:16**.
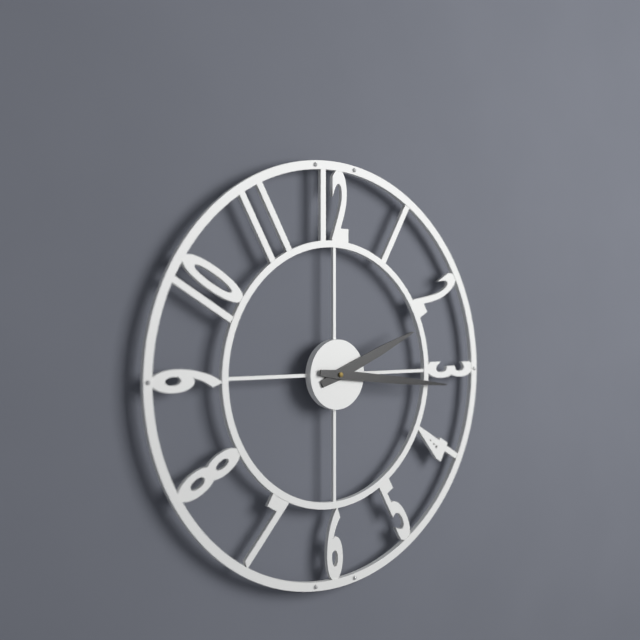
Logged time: **2:16**
